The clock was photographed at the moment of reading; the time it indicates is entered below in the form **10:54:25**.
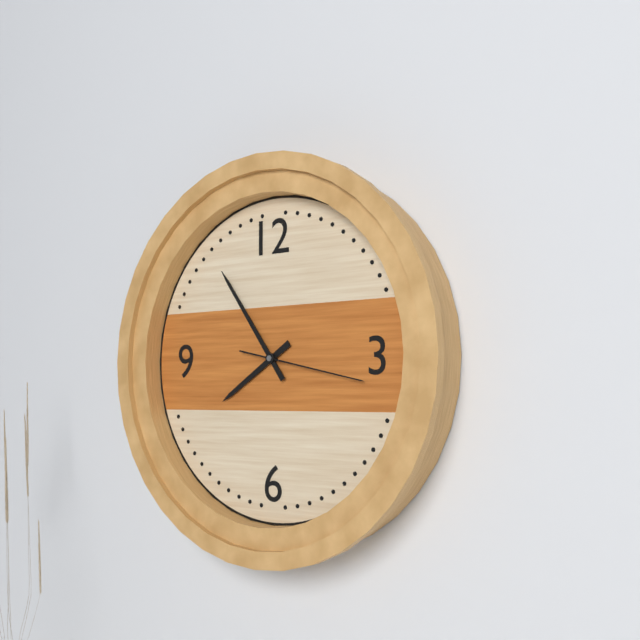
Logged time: **7:54:17**
